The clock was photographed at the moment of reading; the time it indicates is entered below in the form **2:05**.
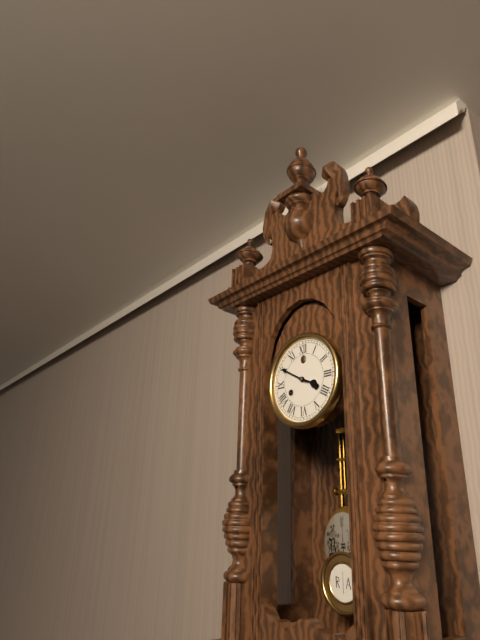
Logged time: **3:50**
